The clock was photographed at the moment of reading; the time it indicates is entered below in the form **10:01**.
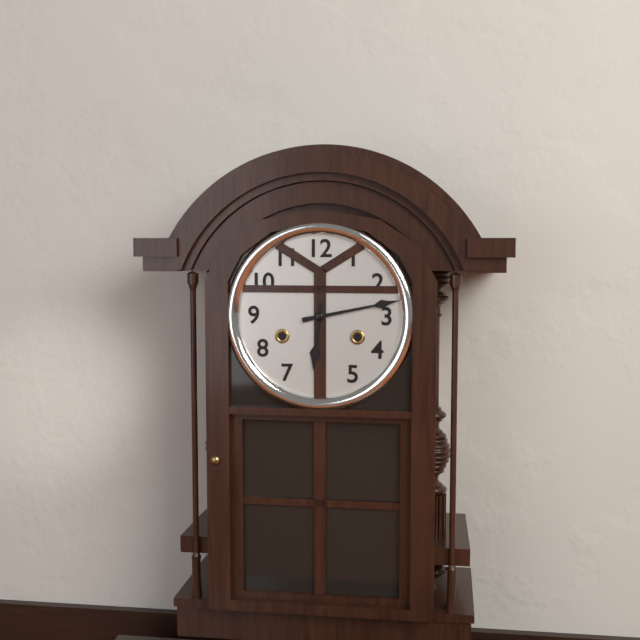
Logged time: **6:13**
